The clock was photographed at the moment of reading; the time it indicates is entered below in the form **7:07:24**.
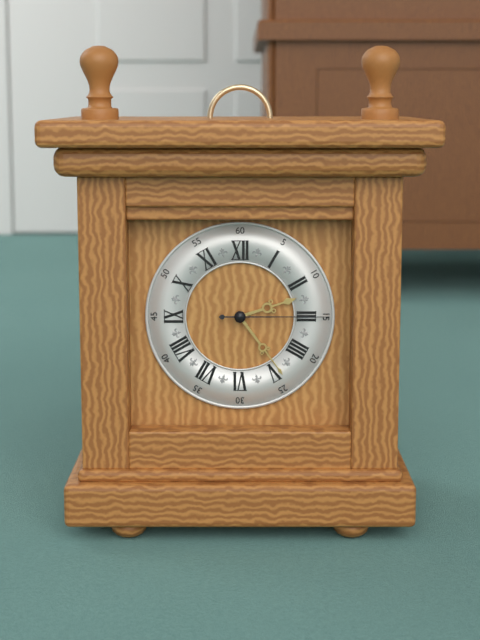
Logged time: **2:24:15**
